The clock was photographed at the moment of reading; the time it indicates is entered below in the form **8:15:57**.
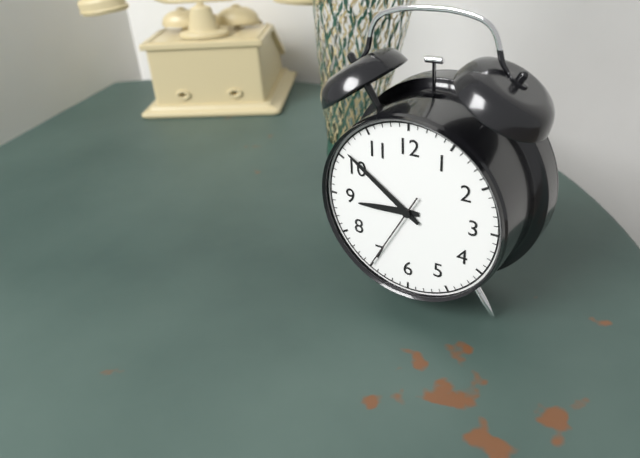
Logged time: **8:51:35**
